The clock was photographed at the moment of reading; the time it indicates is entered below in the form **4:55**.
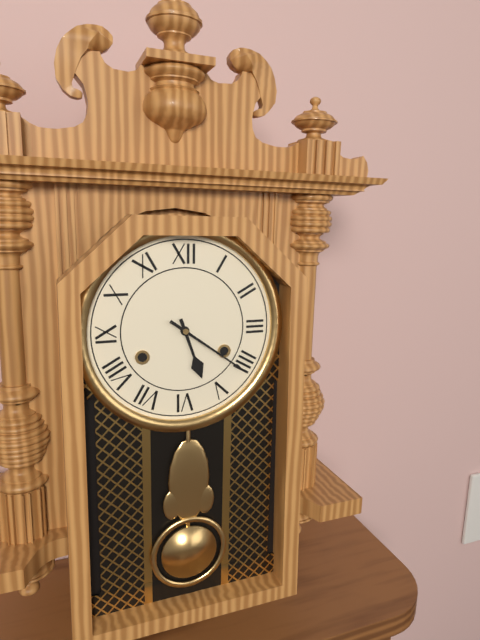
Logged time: **5:21**
